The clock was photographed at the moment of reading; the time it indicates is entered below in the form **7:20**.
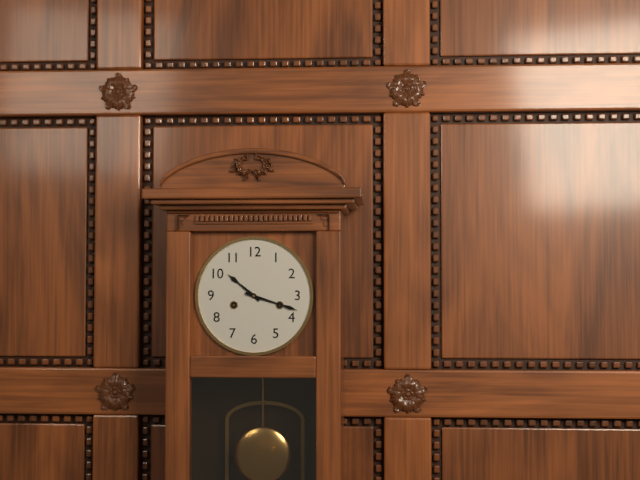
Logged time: **10:18**
